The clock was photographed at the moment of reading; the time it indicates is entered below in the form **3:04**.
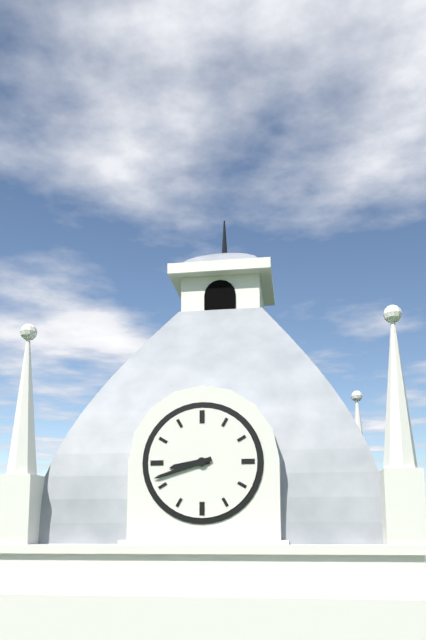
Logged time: **8:42**
